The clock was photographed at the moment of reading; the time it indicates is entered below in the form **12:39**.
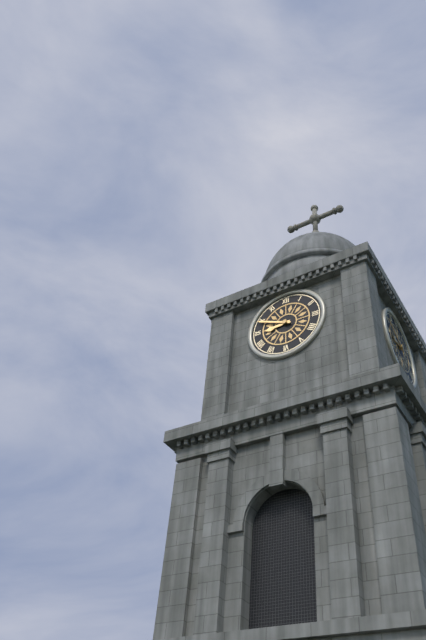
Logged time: **8:49**
